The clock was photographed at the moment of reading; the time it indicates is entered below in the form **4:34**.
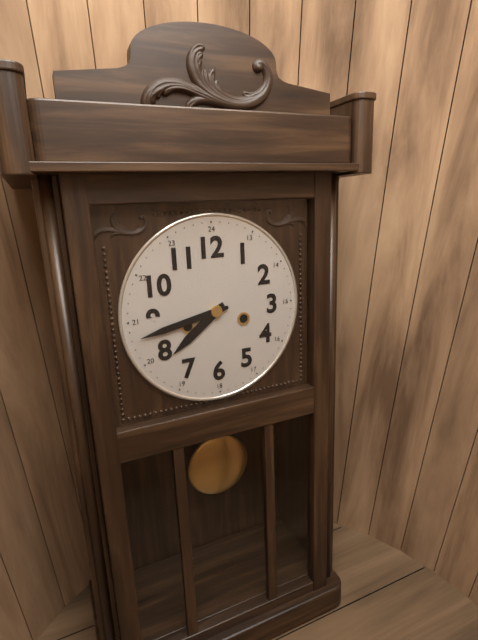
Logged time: **7:43**
